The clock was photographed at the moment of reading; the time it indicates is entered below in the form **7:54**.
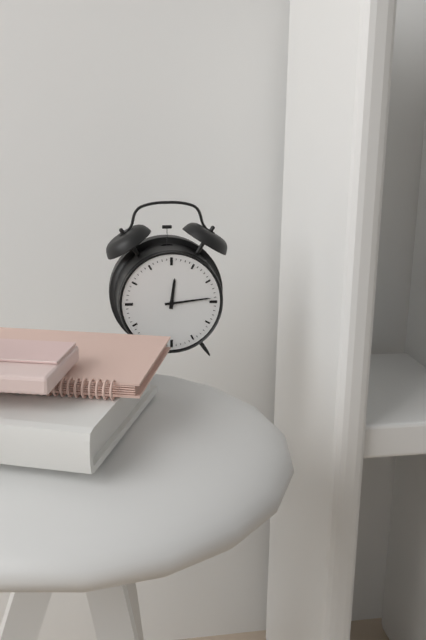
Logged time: **12:14**
